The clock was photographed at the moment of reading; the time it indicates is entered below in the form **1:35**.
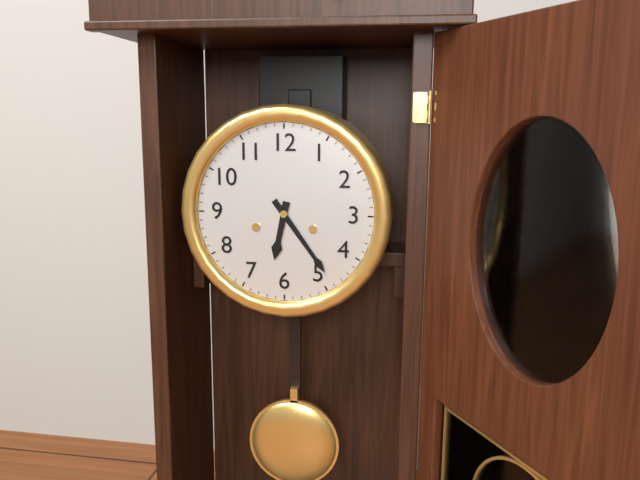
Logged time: **6:24**
